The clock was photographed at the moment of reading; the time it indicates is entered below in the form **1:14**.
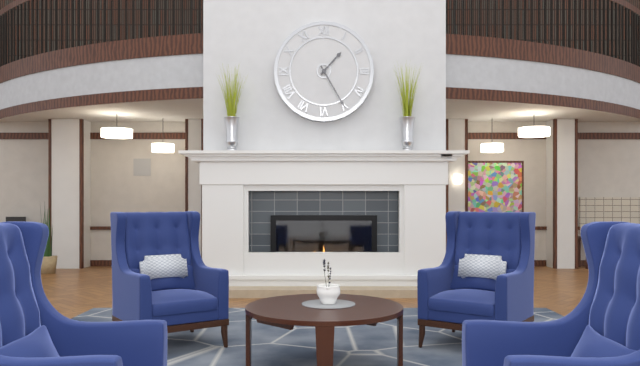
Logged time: **1:25**
